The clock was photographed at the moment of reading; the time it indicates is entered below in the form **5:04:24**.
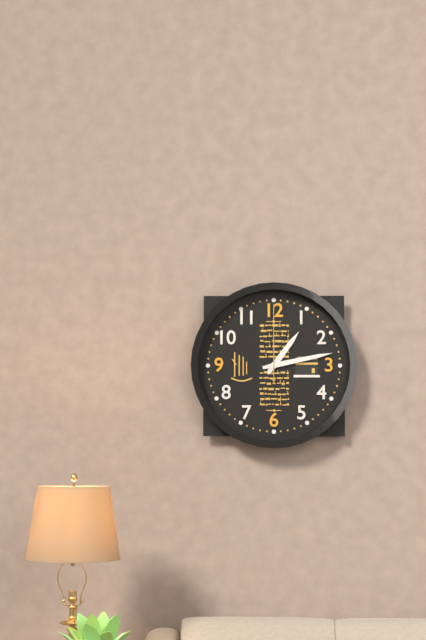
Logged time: **1:13:00**
